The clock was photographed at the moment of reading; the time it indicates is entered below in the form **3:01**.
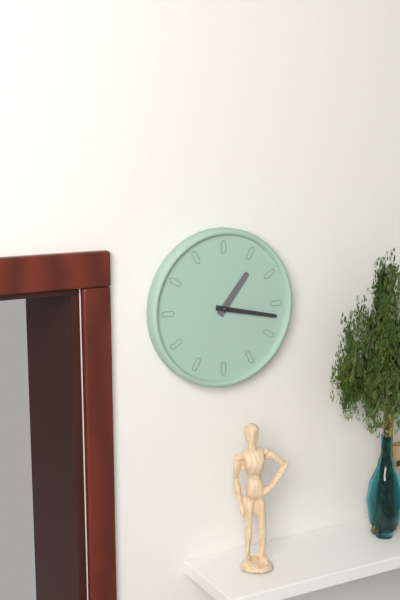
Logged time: **1:17**
